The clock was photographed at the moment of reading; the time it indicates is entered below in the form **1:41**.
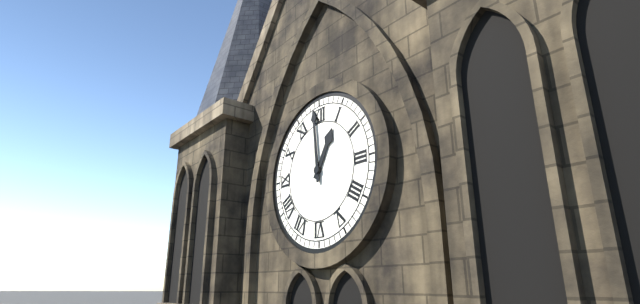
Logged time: **12:59**
